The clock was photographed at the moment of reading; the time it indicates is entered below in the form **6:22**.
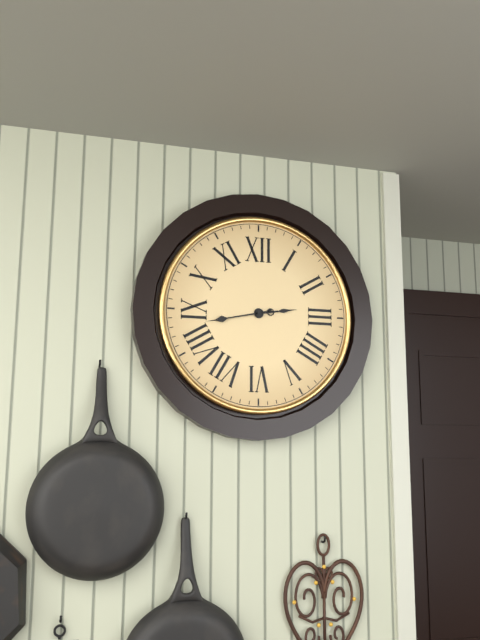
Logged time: **2:43**
